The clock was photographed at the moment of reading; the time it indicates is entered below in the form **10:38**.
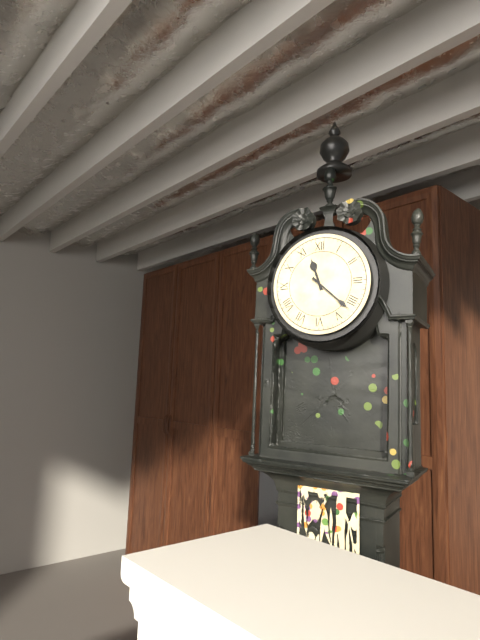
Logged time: **11:22**
